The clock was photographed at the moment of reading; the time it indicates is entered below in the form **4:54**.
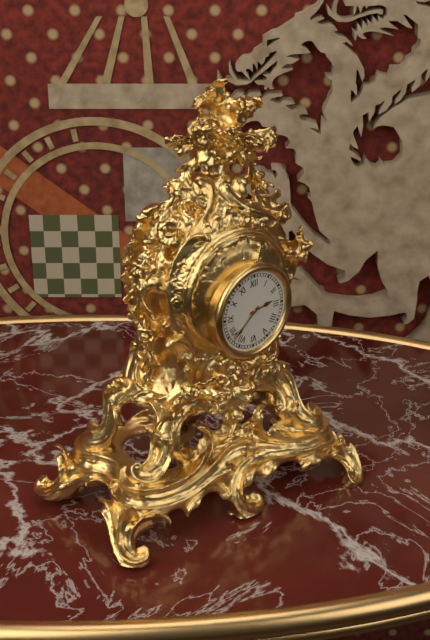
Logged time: **2:38**
